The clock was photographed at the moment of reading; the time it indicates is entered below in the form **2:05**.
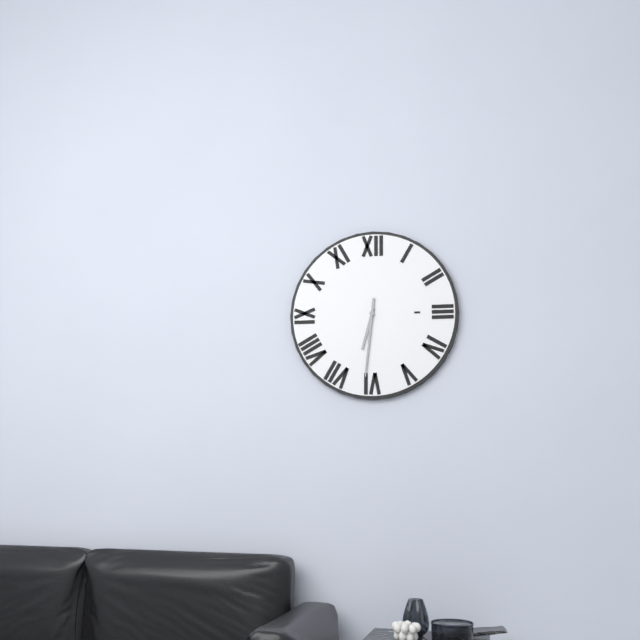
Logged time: **6:31**
